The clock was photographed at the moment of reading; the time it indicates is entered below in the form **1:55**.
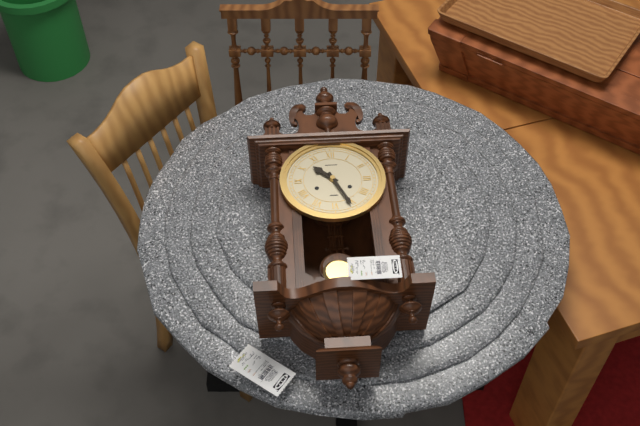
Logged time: **10:26**
